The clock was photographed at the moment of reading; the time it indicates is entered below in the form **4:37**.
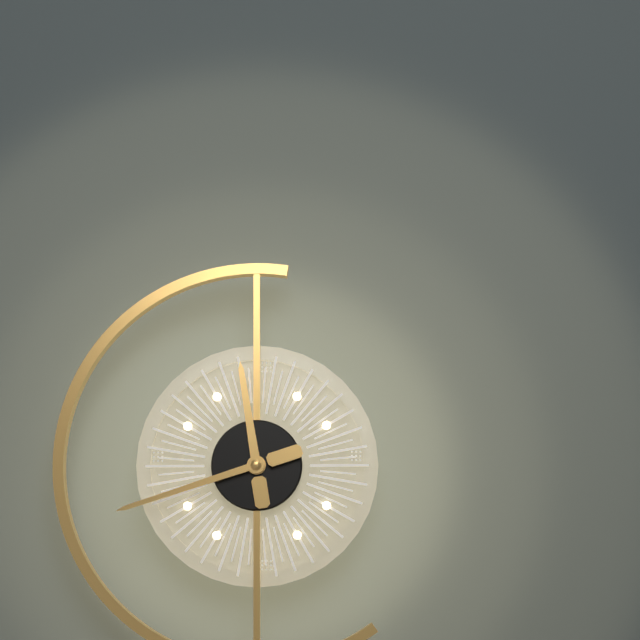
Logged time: **11:42**
